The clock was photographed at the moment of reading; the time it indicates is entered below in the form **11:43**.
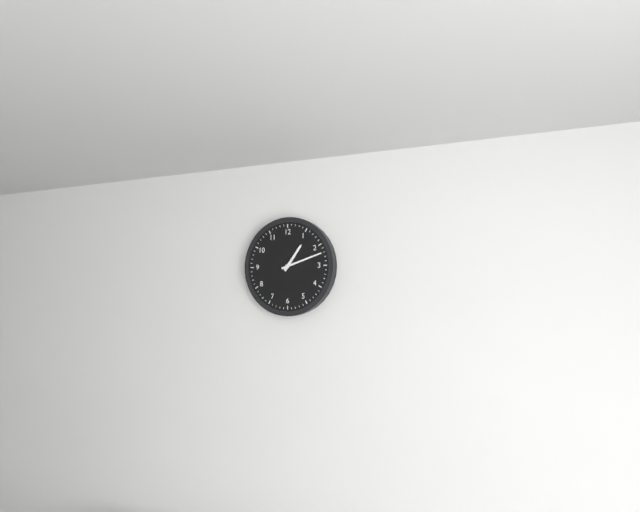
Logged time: **1:12**
